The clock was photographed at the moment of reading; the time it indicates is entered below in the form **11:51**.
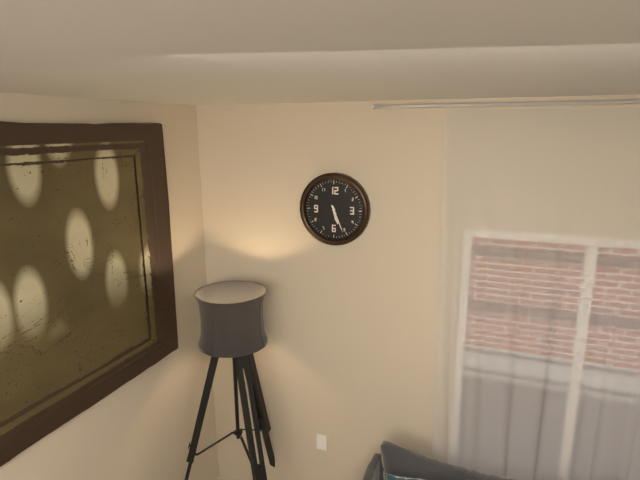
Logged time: **5:26**
